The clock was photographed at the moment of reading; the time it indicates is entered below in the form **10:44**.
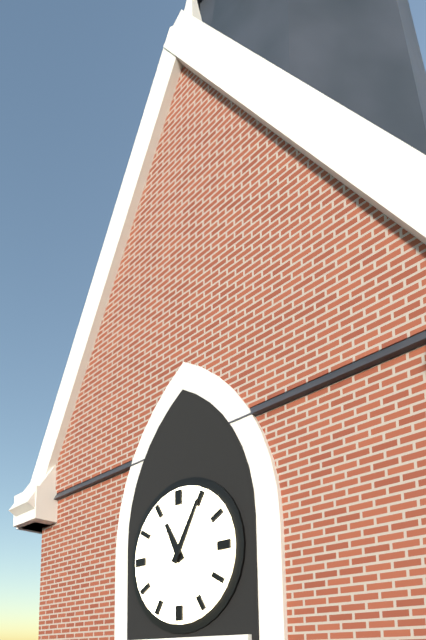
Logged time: **11:05**
